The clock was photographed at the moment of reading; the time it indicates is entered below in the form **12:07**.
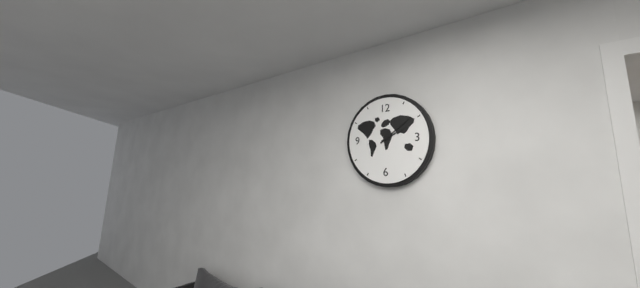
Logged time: **2:09**
